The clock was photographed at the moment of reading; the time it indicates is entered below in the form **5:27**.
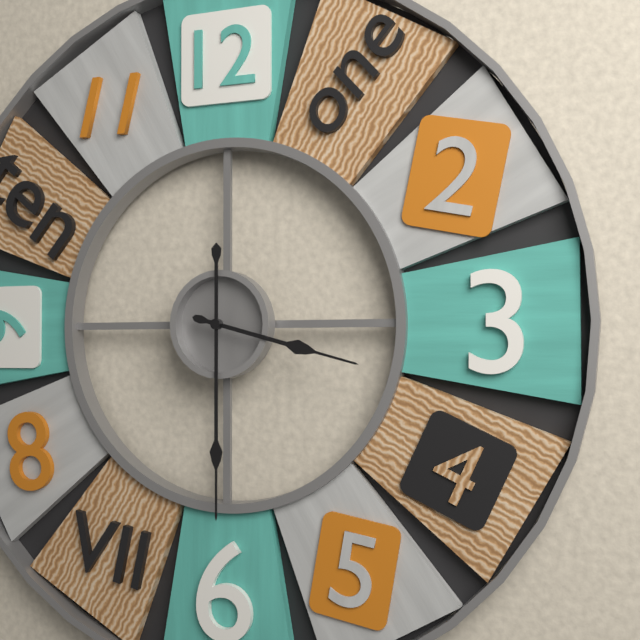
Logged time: **3:30**
